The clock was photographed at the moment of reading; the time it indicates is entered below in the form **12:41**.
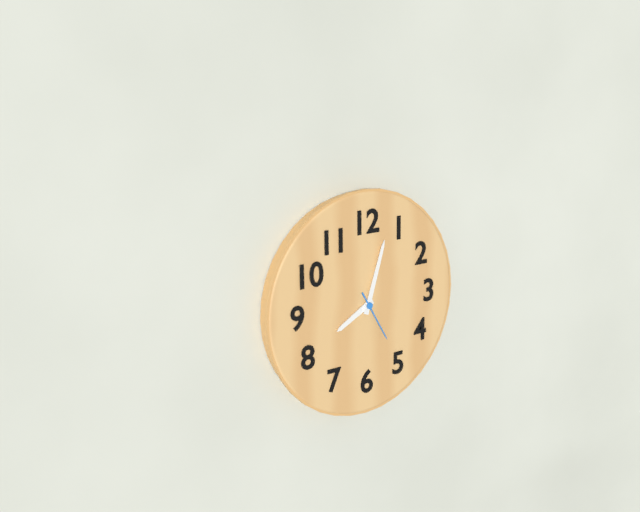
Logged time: **8:03**
